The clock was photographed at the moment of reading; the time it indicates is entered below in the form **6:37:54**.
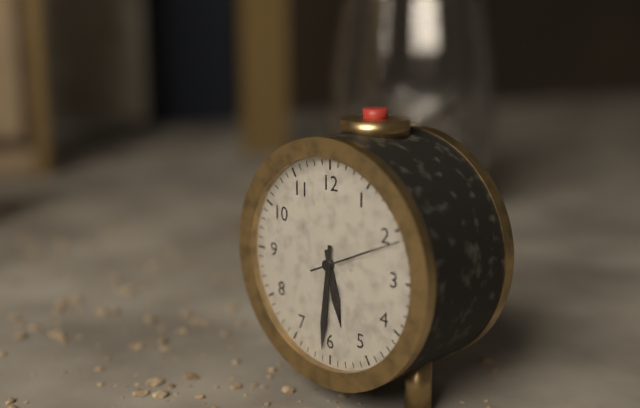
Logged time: **5:31:11**
